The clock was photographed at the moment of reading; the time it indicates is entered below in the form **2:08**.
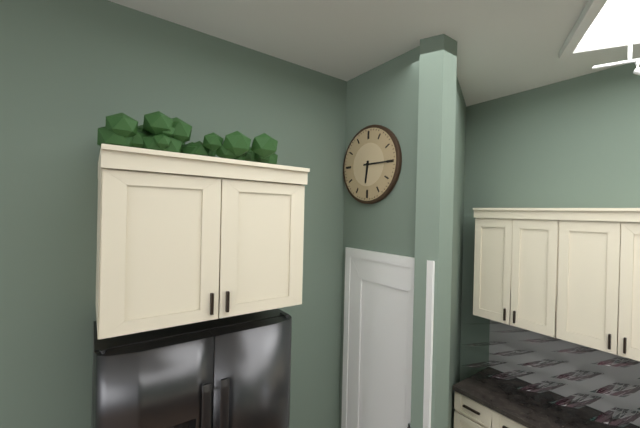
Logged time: **6:15**
